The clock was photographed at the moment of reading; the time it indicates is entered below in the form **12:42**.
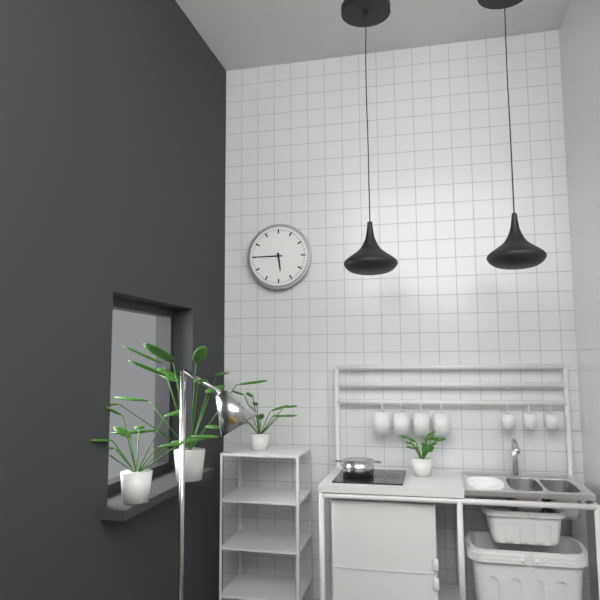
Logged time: **5:45**
